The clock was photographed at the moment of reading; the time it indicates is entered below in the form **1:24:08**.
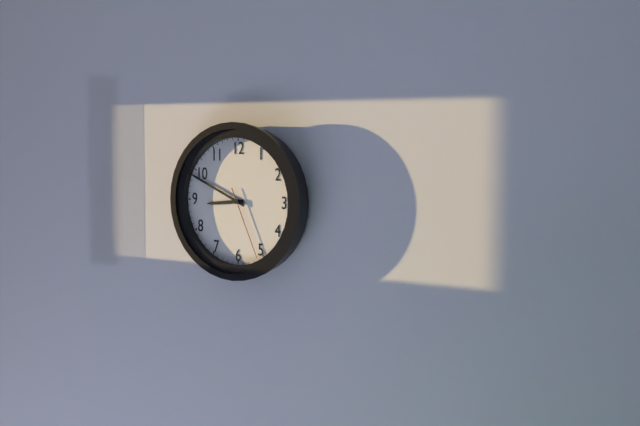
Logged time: **8:49:26**
